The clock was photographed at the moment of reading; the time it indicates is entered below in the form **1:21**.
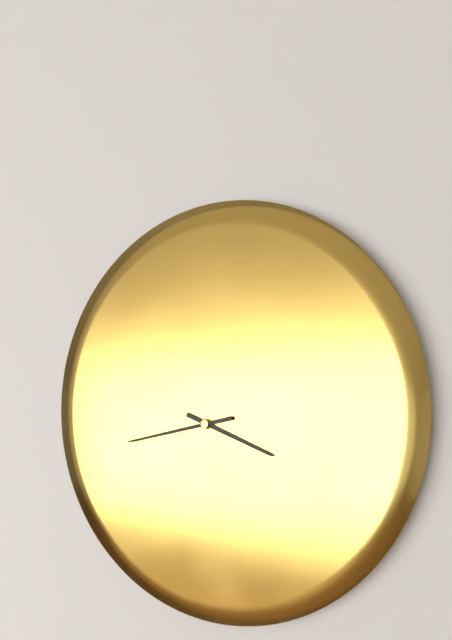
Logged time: **3:43**
